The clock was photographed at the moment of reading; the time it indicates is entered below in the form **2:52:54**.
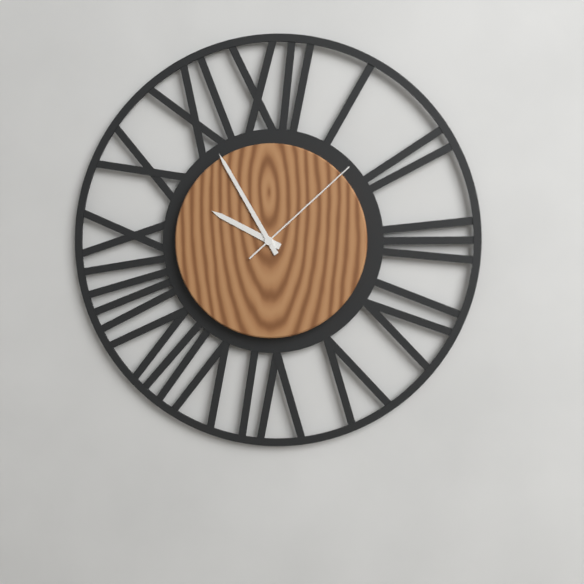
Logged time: **9:55:08**
